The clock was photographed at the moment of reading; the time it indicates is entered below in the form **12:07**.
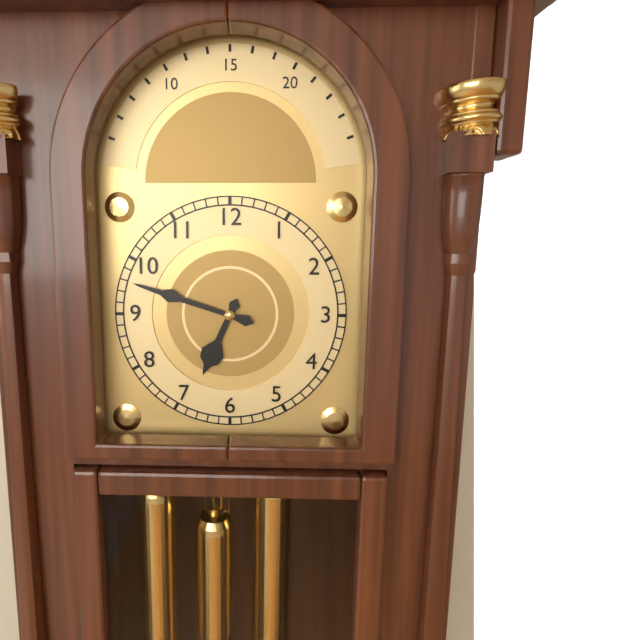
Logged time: **6:48**
